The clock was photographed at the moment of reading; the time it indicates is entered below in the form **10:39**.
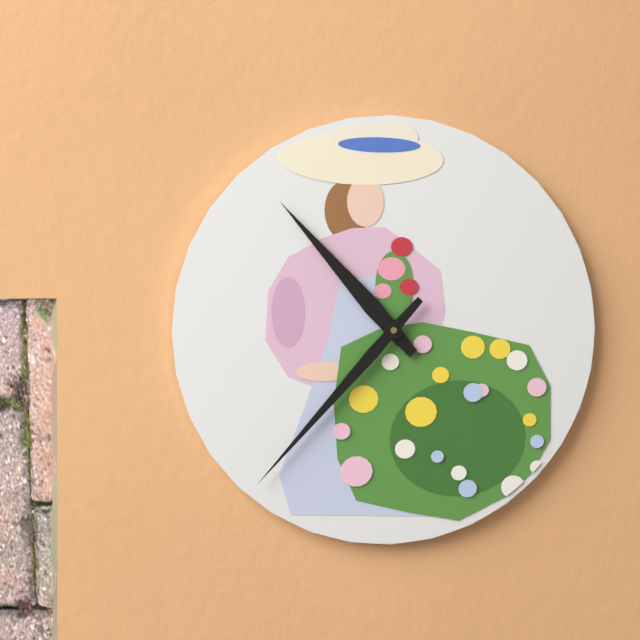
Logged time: **10:37**
